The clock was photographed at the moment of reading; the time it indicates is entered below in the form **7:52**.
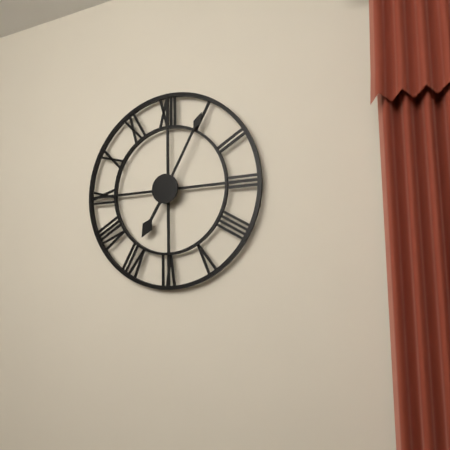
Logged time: **7:05**
